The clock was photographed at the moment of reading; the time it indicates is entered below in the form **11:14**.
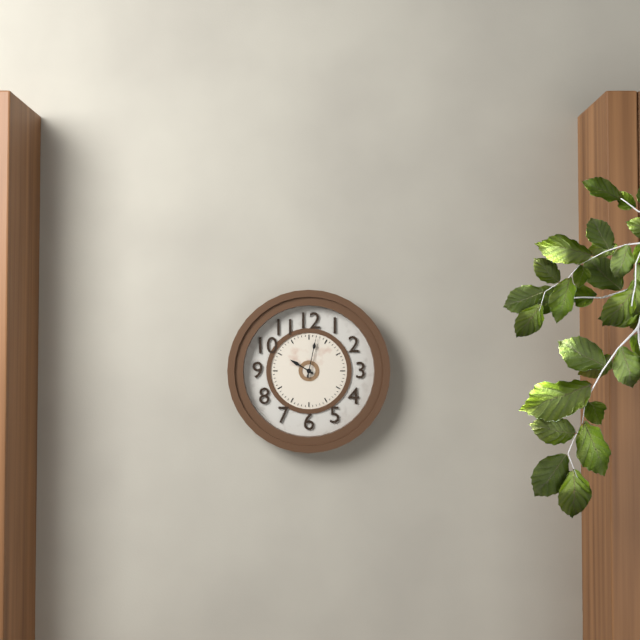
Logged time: **10:02**
